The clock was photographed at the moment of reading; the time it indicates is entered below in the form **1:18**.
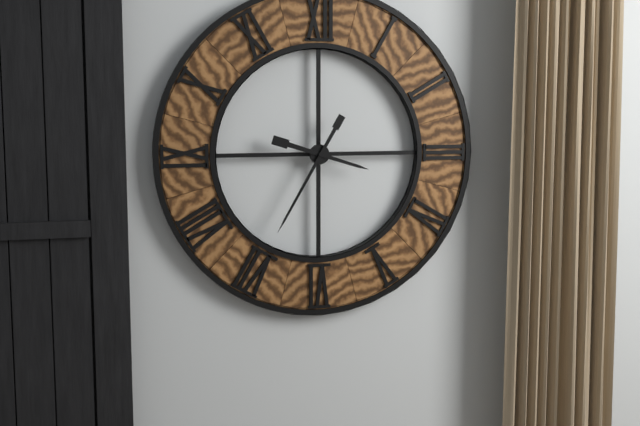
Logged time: **3:35**
